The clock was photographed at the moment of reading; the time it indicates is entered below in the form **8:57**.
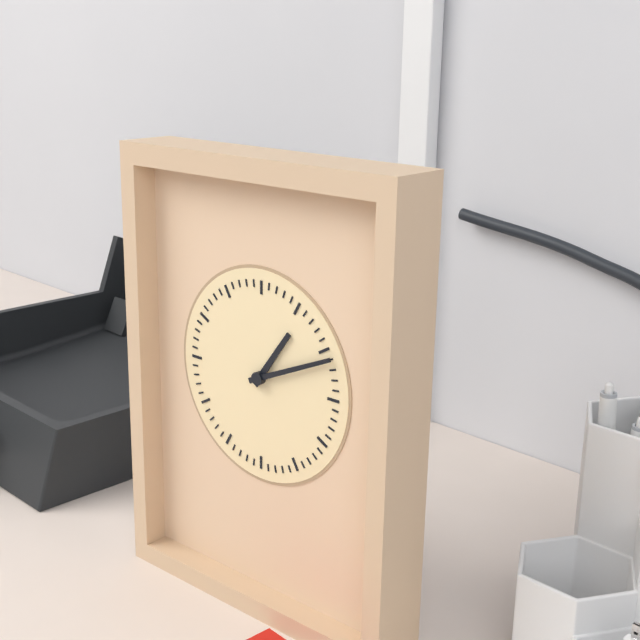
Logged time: **1:11**
